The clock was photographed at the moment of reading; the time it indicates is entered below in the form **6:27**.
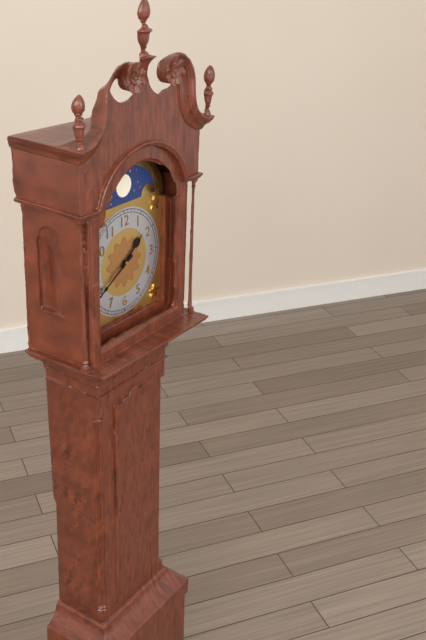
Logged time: **1:40**
